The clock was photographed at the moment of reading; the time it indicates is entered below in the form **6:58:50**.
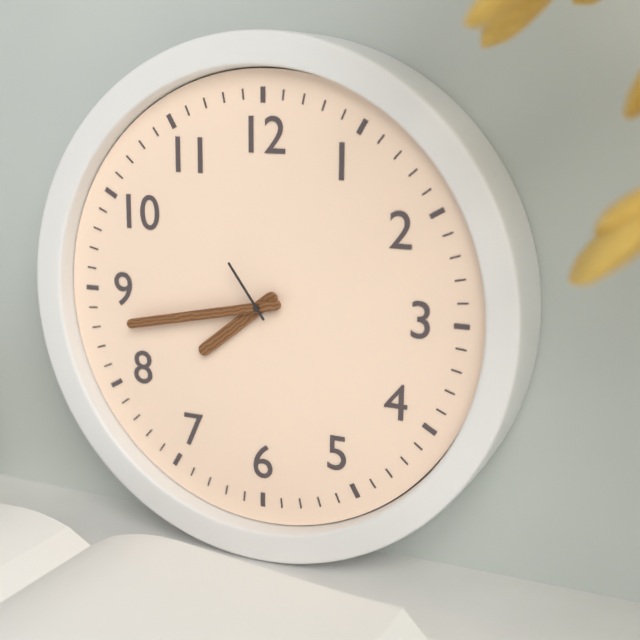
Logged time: **7:43:54**
